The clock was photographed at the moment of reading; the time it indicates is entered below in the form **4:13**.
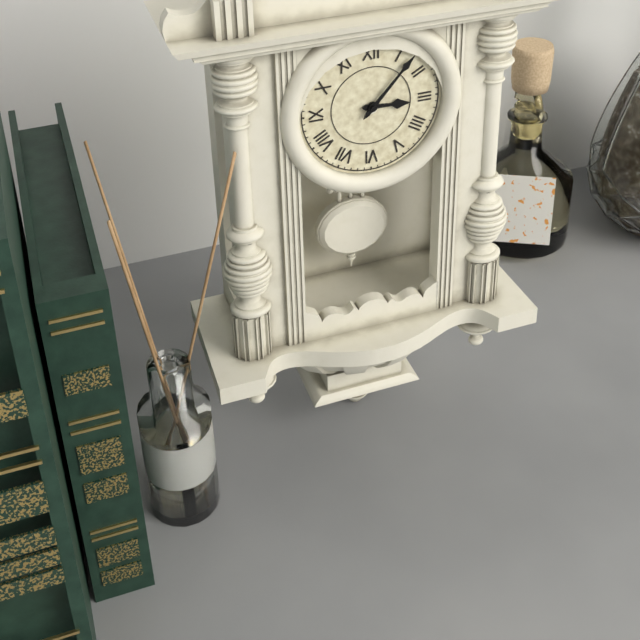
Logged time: **3:07**
